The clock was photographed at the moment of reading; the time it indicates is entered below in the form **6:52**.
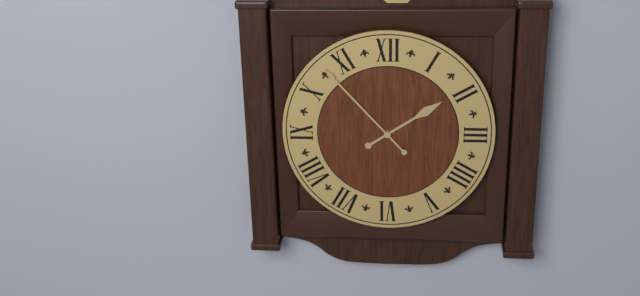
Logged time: **1:53**
